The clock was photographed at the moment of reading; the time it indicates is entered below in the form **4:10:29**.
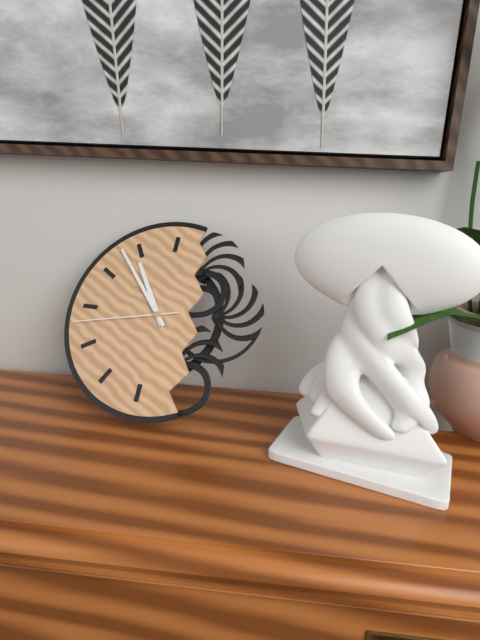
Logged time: **10:53:43**
